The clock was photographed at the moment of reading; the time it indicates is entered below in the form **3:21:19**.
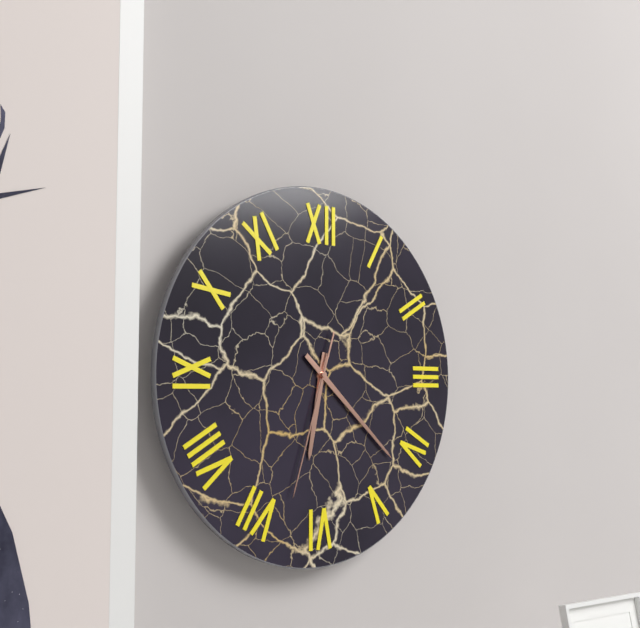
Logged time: **6:22:33**
